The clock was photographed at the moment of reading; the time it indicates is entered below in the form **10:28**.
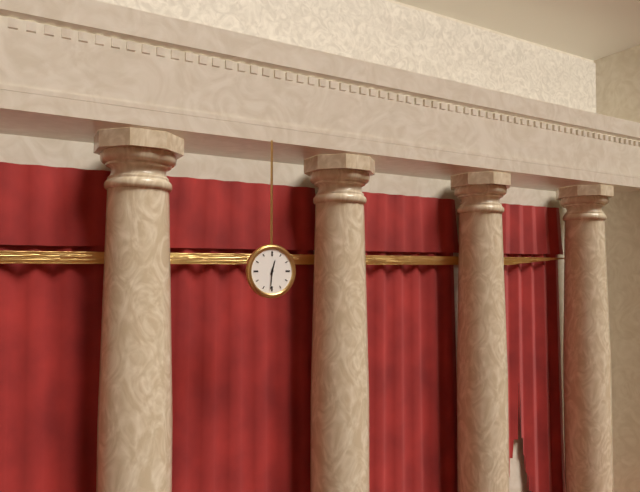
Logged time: **12:31**
